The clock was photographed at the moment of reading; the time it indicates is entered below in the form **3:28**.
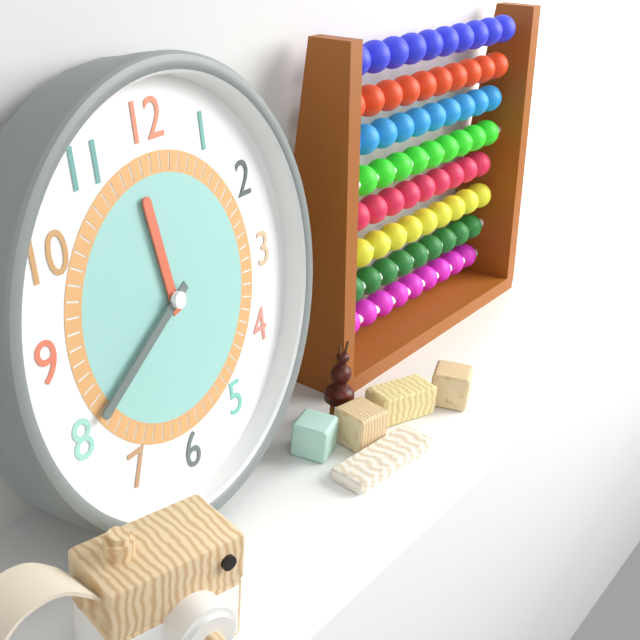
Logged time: **11:40**
